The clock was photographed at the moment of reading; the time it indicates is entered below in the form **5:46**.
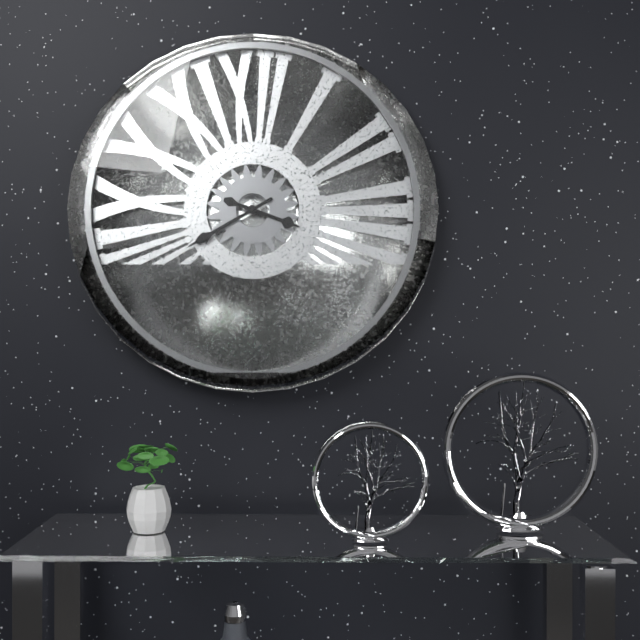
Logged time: **3:40**
